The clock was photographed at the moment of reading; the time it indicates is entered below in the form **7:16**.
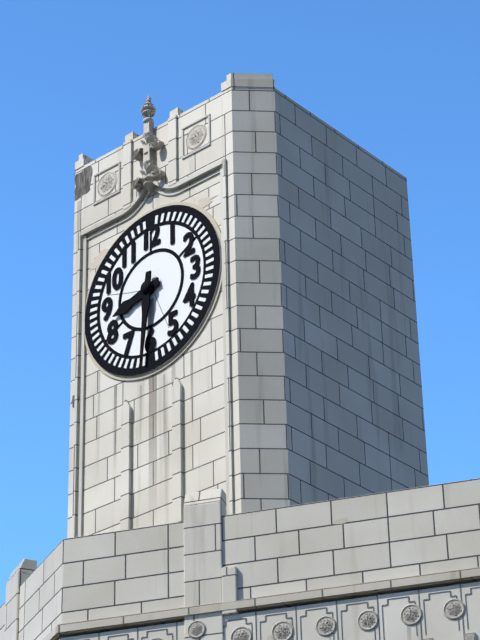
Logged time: **8:31**
